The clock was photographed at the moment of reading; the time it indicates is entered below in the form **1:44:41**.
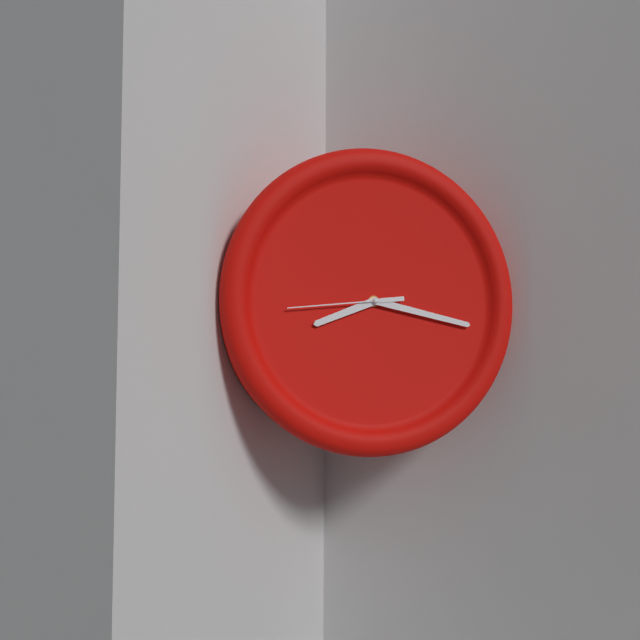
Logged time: **8:17:44**
